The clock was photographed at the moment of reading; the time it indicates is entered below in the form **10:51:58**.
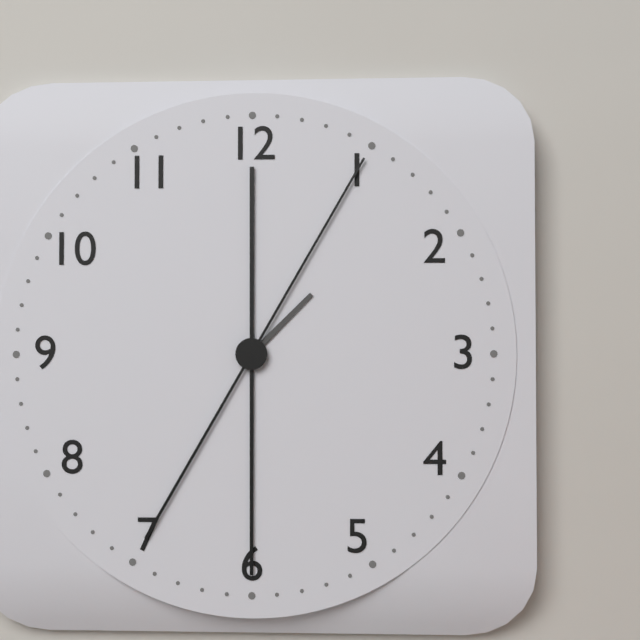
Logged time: **1:30:05**
